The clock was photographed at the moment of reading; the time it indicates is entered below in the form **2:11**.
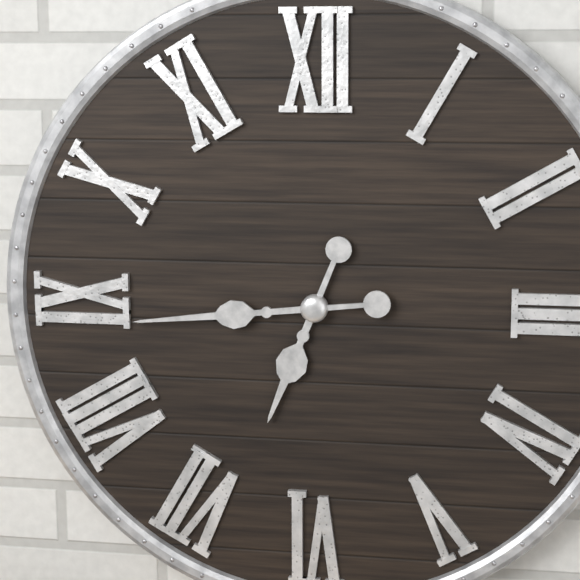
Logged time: **6:44**
